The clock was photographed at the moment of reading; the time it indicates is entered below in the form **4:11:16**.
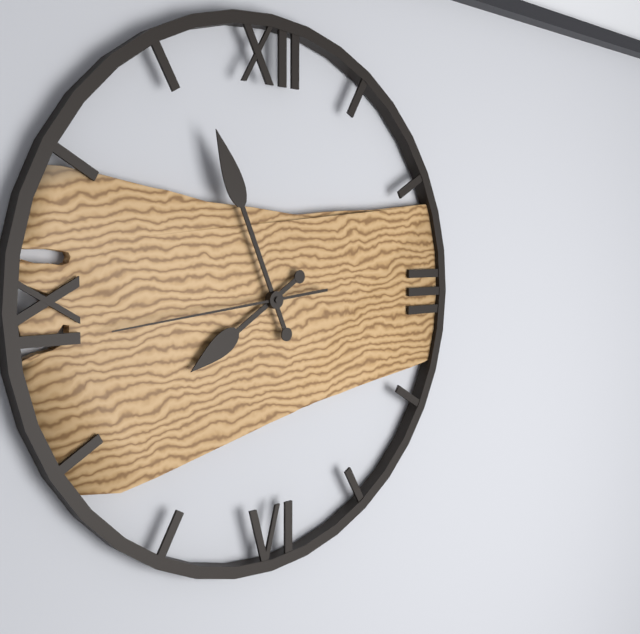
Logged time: **7:56:44**
